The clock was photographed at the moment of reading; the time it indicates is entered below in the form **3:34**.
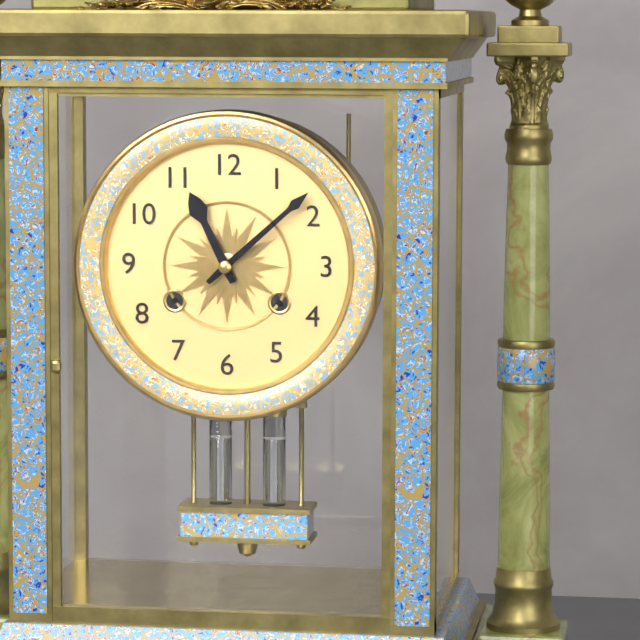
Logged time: **11:08**
